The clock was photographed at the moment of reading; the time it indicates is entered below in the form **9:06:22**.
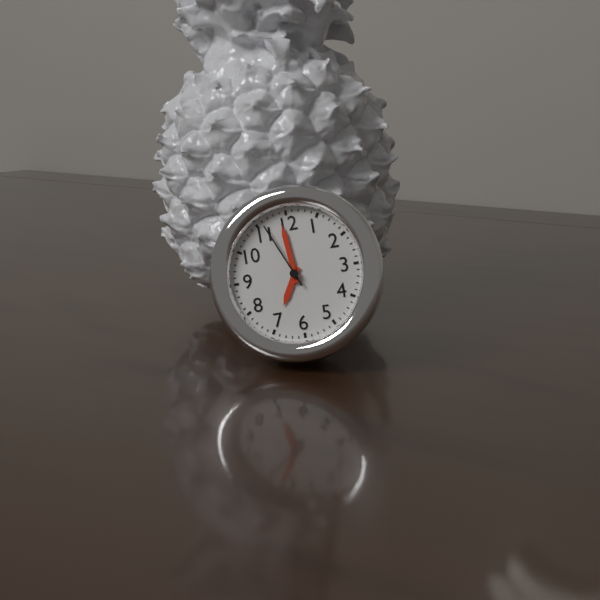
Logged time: **6:59:56**
